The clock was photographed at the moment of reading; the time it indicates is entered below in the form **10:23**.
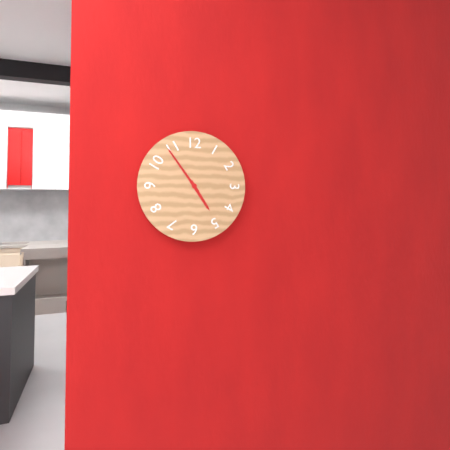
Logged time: **4:54**
